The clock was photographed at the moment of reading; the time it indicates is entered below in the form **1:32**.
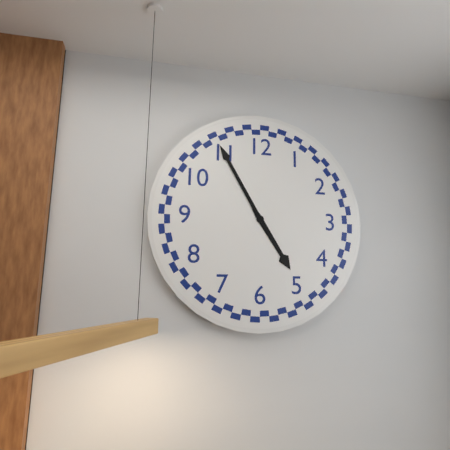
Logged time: **4:55**
